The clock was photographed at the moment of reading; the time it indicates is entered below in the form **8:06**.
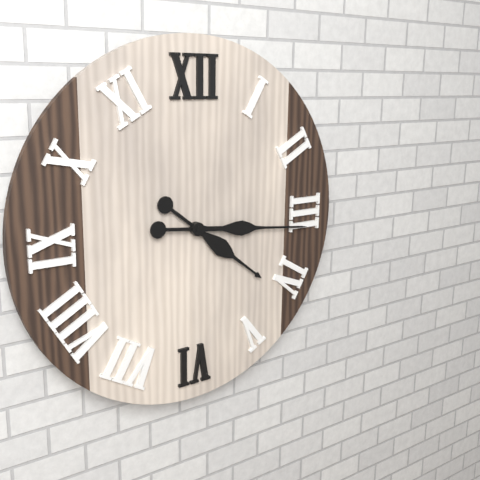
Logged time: **4:16**
